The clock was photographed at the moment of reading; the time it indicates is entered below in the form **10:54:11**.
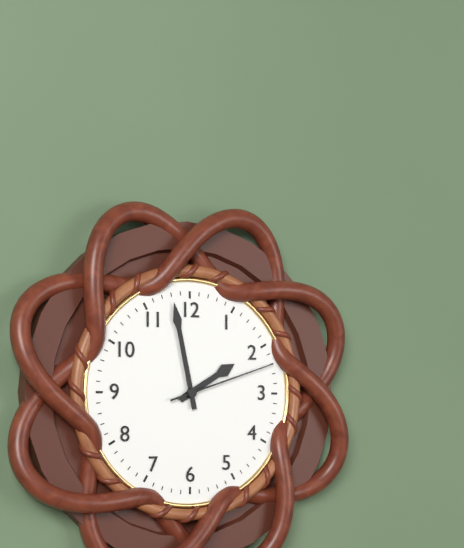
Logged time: **1:58:12**
